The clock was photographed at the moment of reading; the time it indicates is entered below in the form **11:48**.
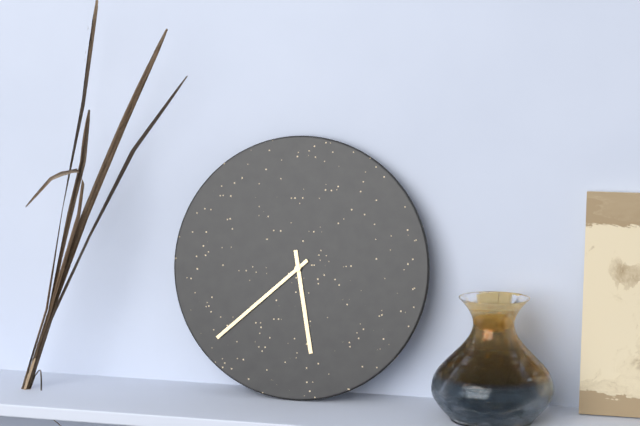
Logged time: **5:38**
